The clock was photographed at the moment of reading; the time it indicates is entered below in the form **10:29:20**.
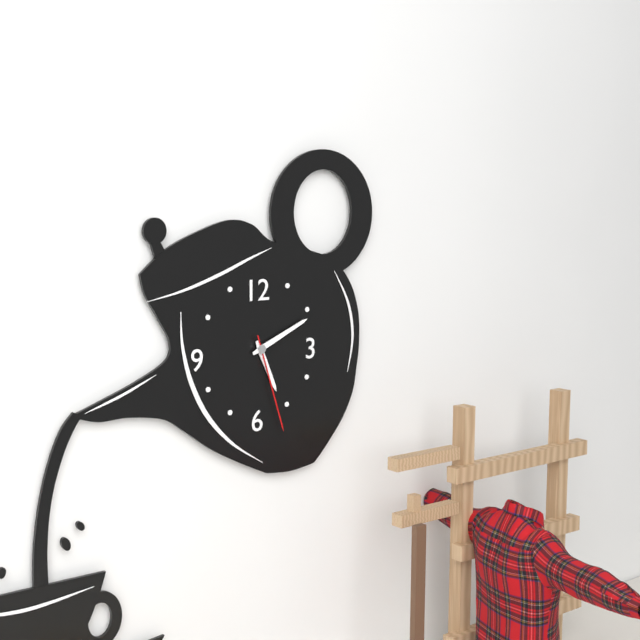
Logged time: **5:11:27**
